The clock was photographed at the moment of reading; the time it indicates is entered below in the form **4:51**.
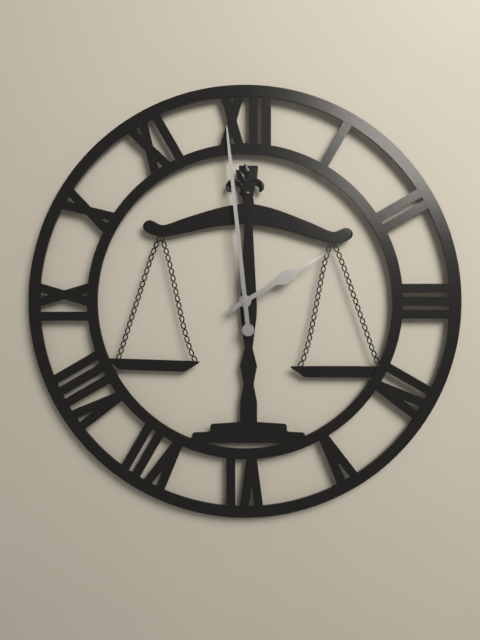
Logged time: **1:59**
